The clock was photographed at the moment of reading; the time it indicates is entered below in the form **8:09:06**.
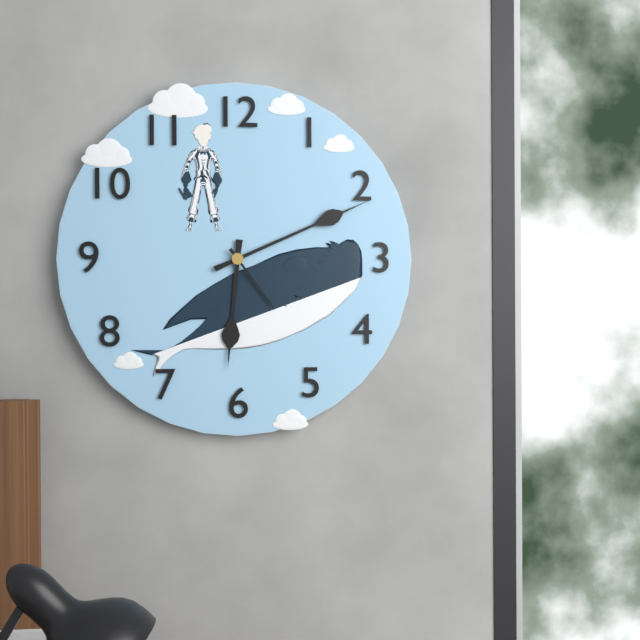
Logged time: **6:11:24**
